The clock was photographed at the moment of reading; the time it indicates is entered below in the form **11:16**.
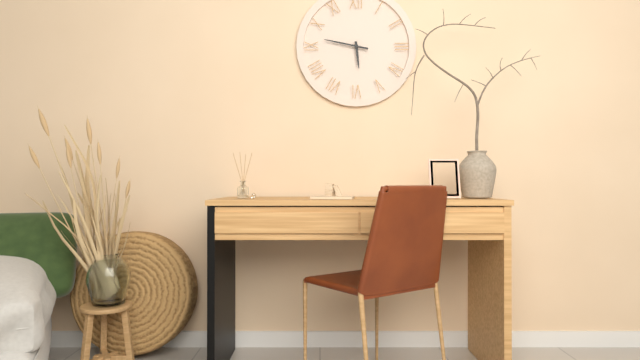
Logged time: **5:47**
